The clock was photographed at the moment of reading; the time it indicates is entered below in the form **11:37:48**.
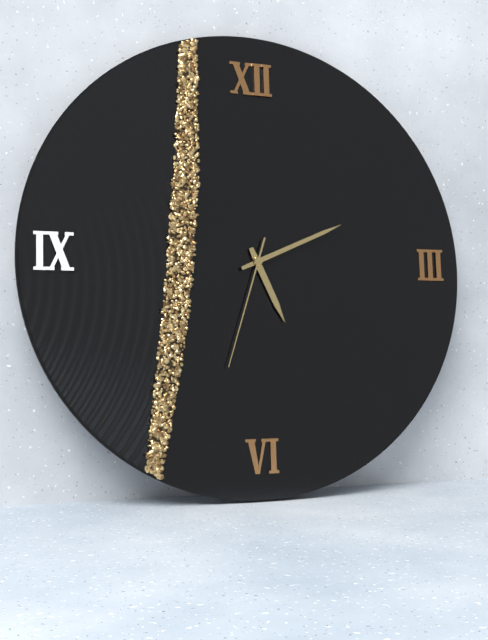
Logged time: **5:11:33**
